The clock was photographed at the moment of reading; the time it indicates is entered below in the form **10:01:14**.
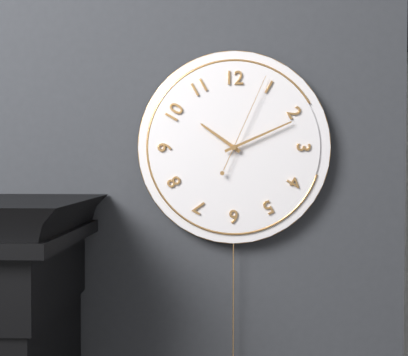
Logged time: **10:11:04**
